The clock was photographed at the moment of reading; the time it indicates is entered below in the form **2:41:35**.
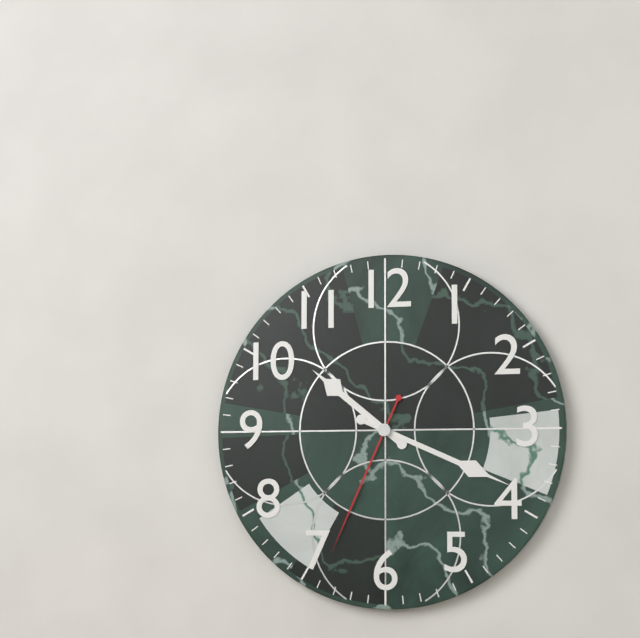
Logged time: **10:19:34**
